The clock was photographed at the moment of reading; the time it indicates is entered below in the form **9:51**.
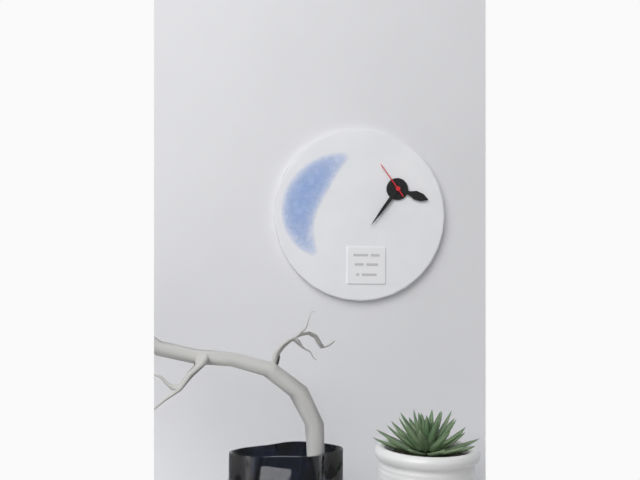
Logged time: **3:36**
